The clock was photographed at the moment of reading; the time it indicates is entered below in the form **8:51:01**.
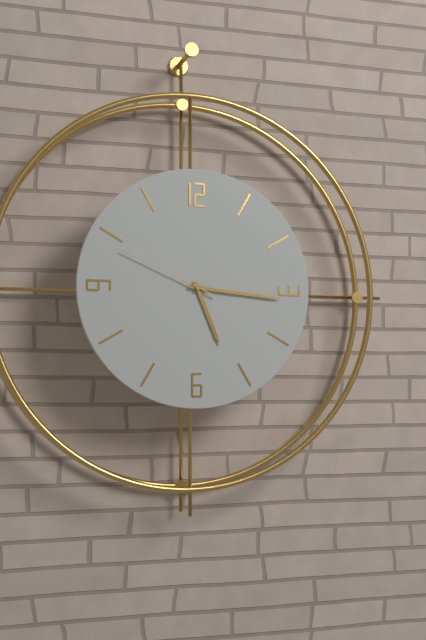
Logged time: **5:16:49**
